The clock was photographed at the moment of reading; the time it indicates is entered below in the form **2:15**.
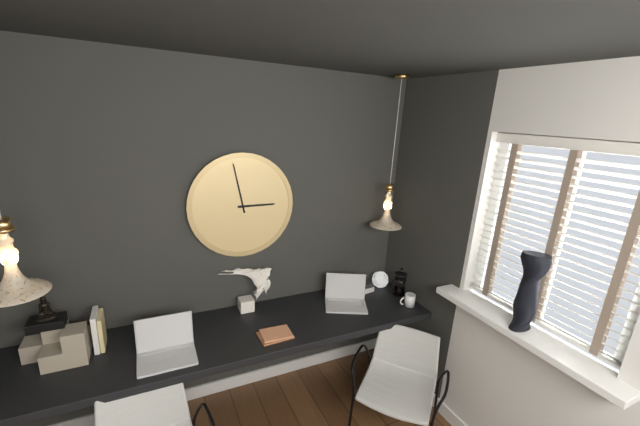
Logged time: **2:58**
